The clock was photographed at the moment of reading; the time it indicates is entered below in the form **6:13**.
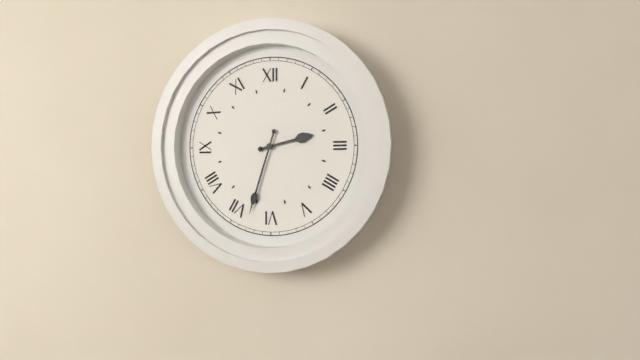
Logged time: **2:33**
